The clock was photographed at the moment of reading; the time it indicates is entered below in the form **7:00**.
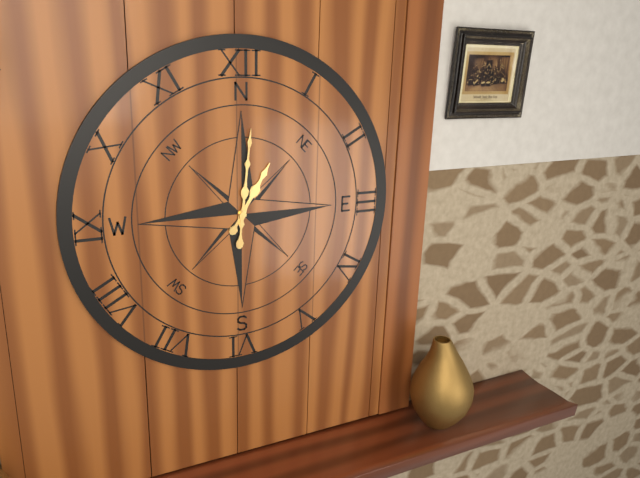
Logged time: **1:01**
